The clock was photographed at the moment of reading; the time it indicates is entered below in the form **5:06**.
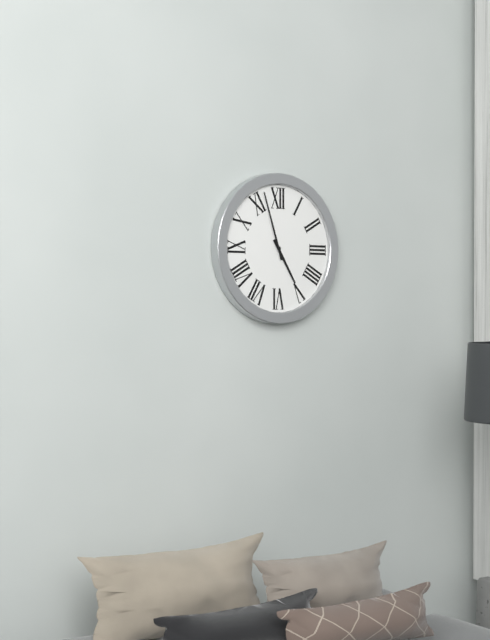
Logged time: **4:57**
